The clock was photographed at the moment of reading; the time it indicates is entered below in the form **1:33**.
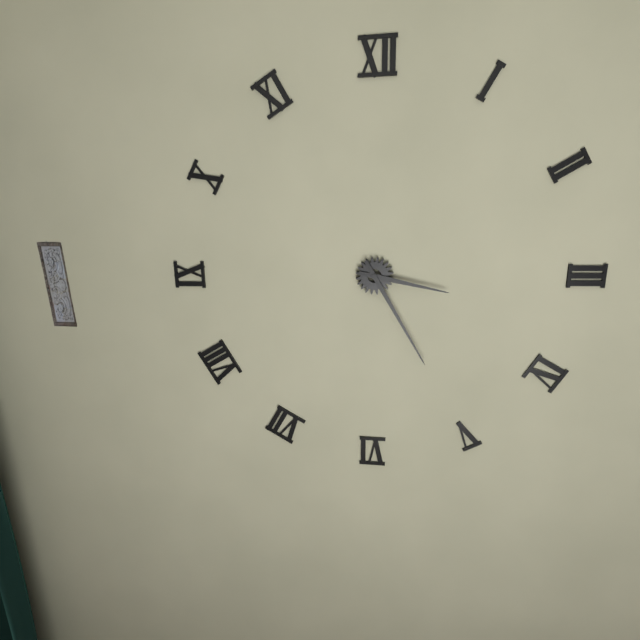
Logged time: **3:25**
